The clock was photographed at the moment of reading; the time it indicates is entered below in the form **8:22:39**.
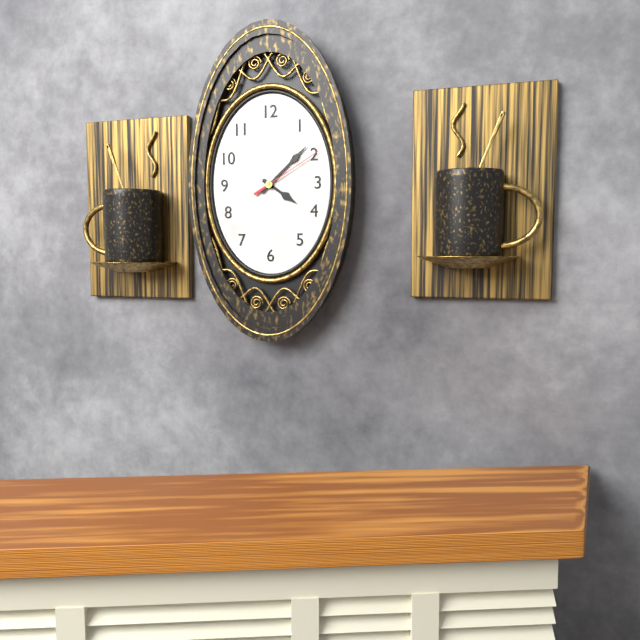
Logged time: **4:08:10**
